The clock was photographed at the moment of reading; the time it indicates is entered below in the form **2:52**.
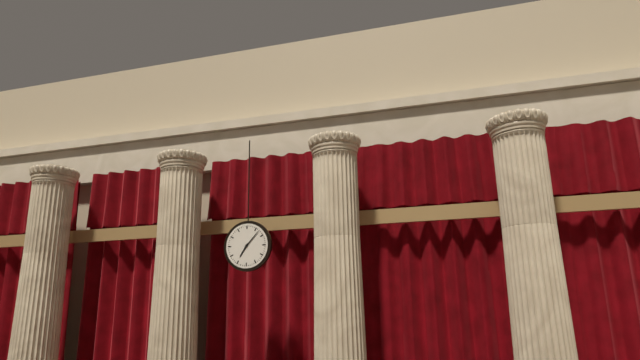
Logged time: **7:07**
